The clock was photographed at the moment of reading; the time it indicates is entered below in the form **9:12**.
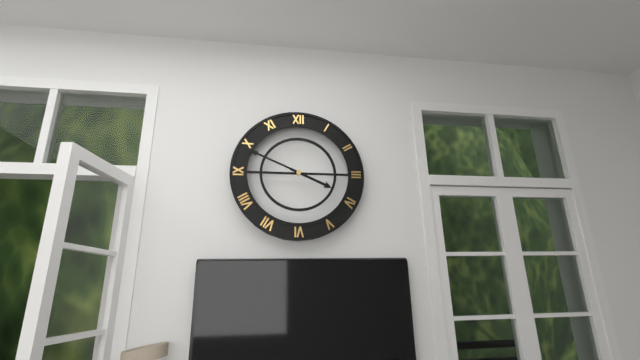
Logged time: **3:49**
